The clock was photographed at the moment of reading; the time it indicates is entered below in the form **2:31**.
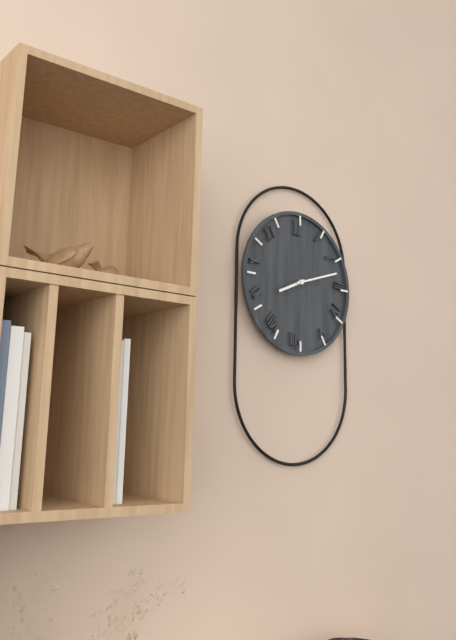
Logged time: **8:12**
